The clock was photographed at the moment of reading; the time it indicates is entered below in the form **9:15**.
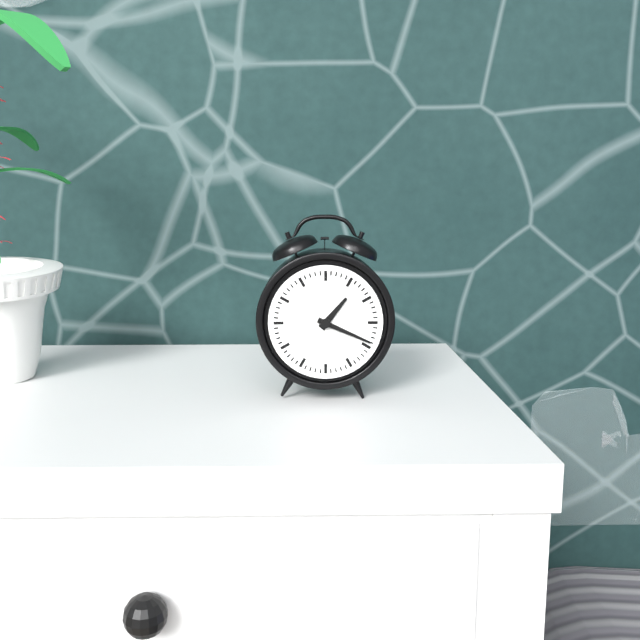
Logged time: **1:19**
